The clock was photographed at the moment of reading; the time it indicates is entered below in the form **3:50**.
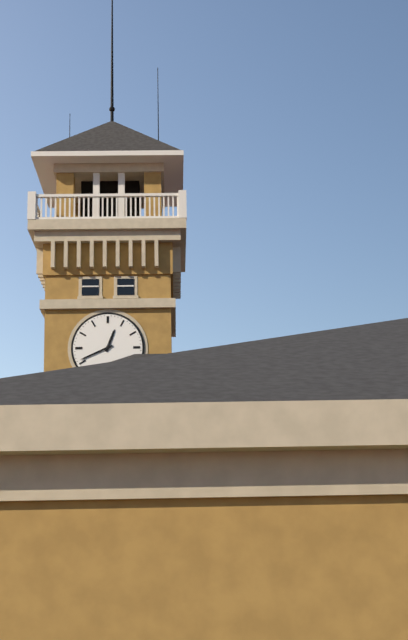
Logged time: **12:41**
